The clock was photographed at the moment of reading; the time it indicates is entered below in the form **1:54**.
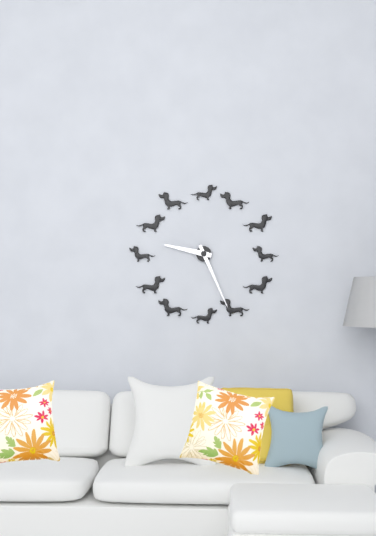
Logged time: **9:26**
